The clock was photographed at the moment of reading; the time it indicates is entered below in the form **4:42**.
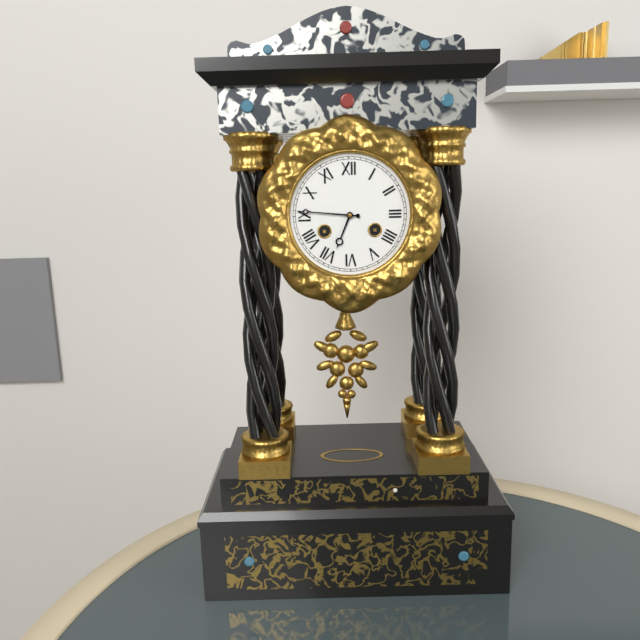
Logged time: **6:46**
